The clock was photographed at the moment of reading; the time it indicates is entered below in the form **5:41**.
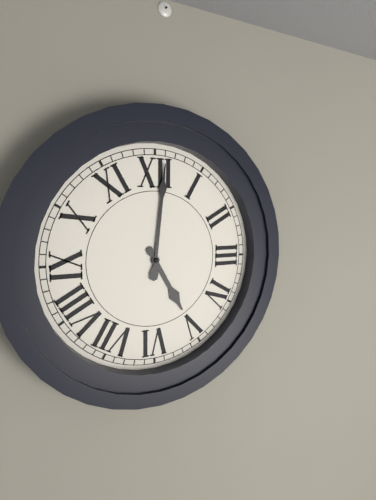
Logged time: **5:01**
